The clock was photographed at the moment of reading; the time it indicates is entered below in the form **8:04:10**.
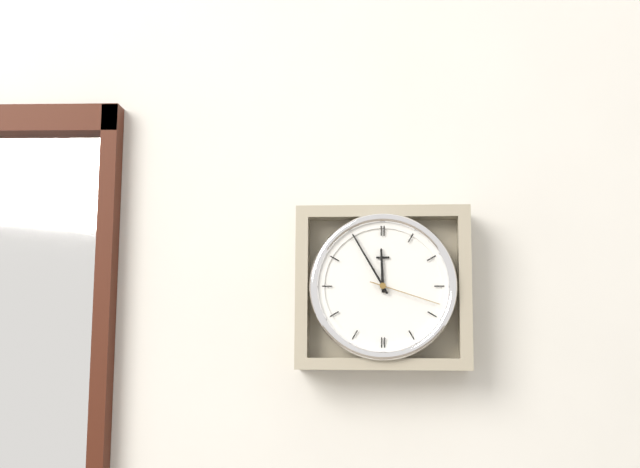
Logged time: **11:55:18**
